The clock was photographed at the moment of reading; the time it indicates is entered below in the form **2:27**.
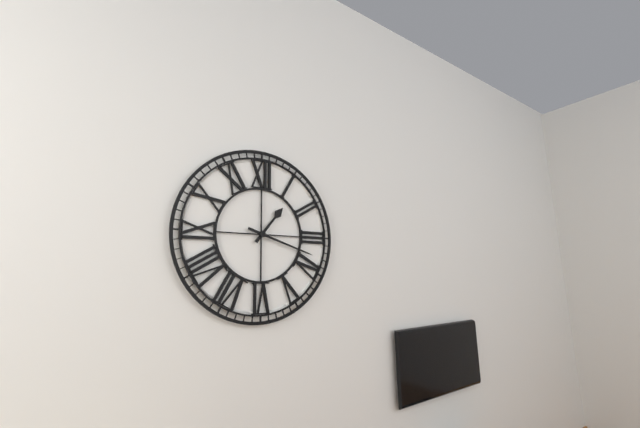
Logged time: **1:18**
